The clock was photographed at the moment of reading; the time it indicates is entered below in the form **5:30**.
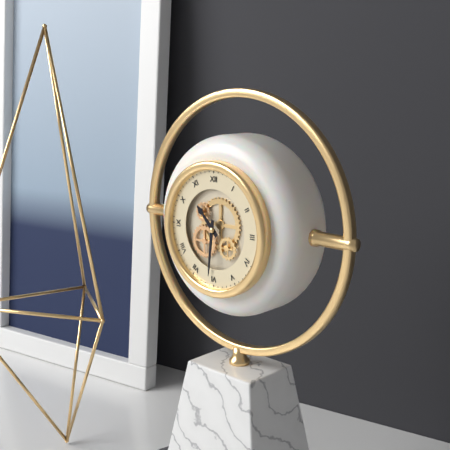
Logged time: **10:31**
